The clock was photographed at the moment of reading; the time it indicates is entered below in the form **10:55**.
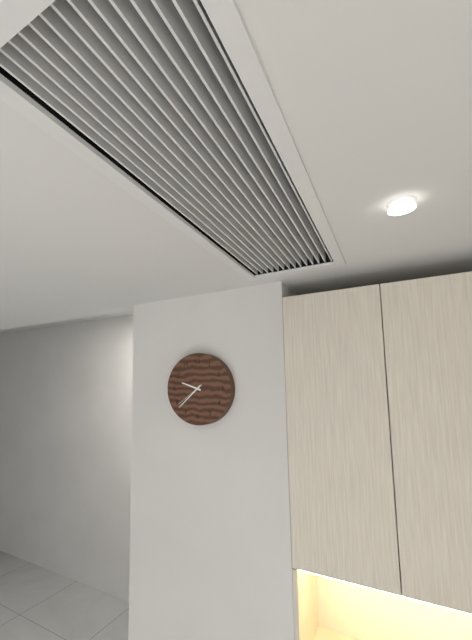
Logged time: **9:38**
